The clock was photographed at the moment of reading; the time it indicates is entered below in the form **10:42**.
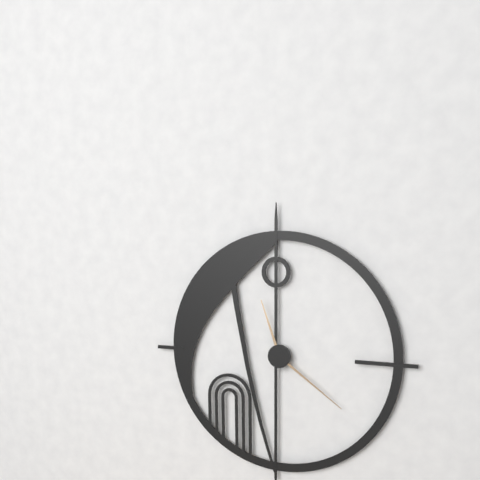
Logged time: **11:21**
